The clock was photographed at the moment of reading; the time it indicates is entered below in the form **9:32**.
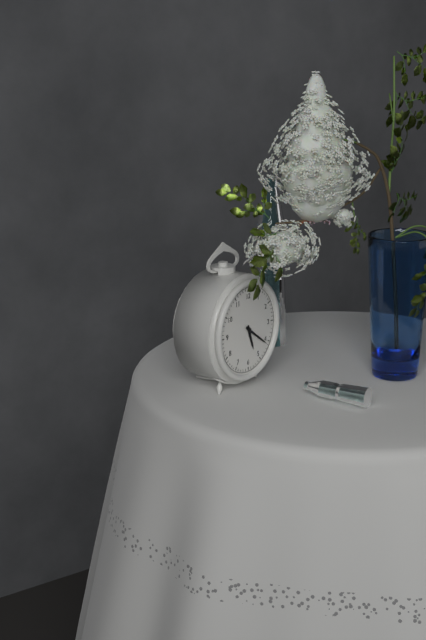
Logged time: **5:21**
